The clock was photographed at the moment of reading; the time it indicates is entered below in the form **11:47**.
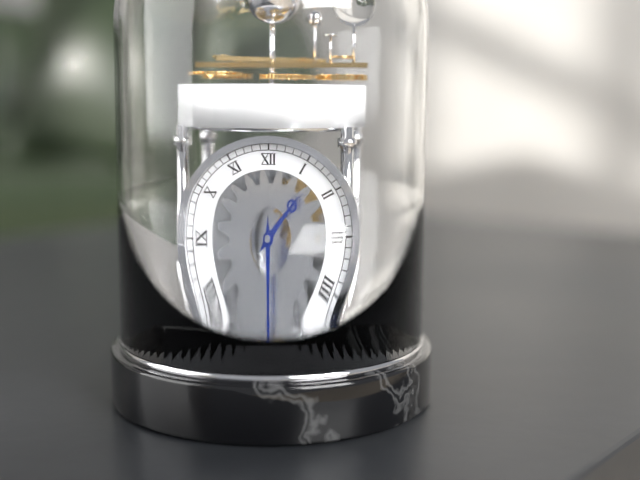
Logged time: **1:30**
